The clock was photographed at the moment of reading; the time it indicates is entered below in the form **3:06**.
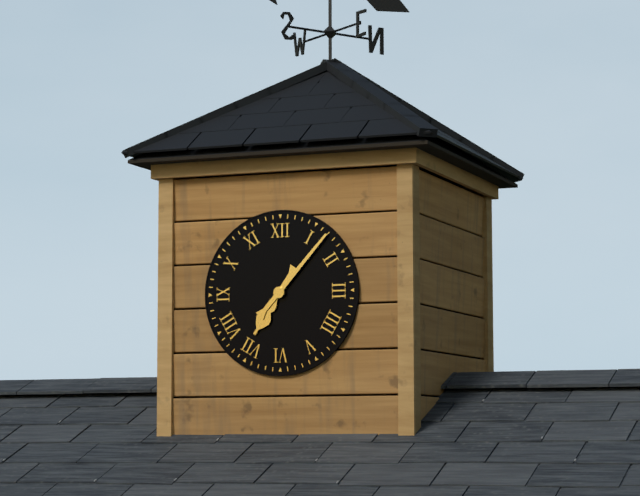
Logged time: **7:07**
